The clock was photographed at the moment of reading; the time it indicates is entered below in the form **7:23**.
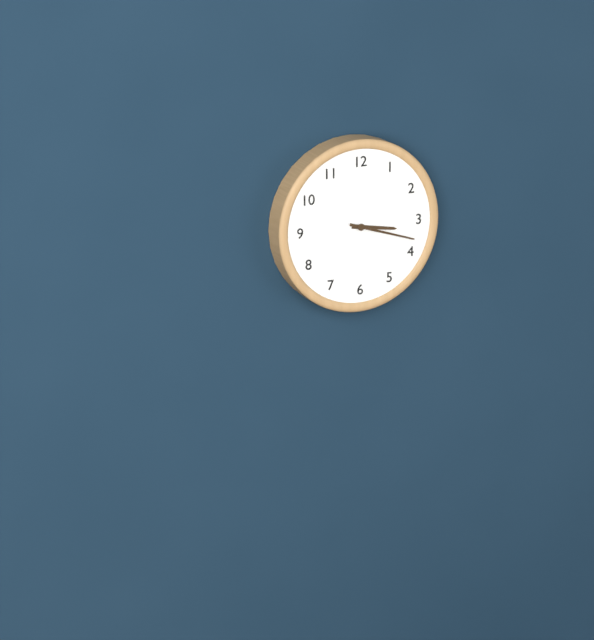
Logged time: **3:18**
